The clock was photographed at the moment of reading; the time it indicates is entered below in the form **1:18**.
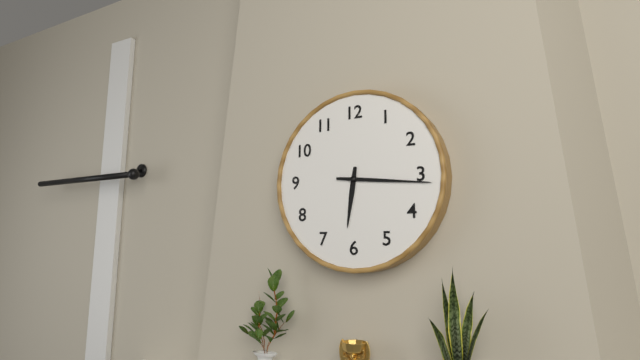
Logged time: **6:16**
